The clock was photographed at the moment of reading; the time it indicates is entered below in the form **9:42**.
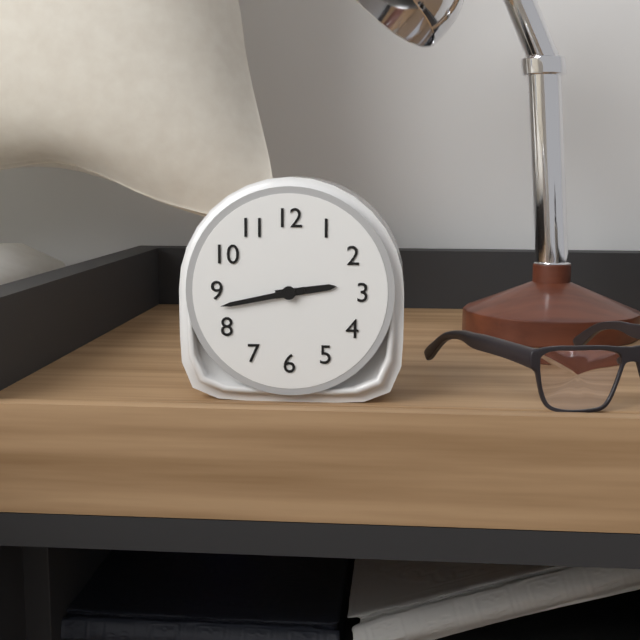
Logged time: **2:43**
